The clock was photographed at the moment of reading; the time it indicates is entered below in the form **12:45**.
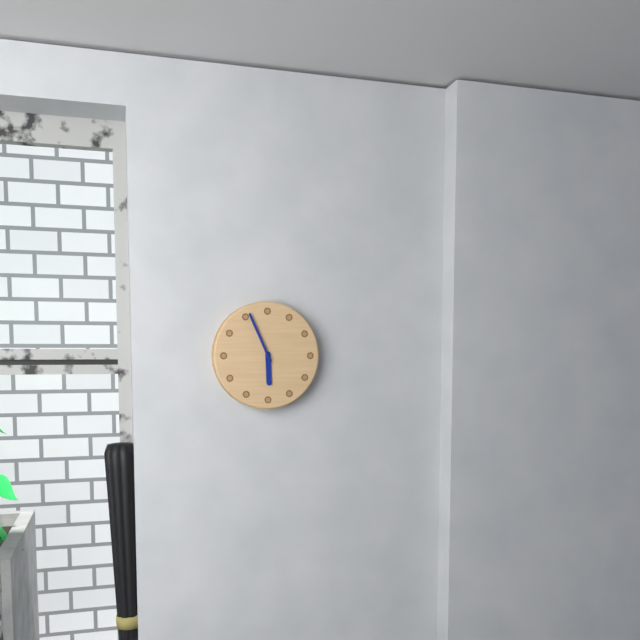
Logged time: **5:56**
